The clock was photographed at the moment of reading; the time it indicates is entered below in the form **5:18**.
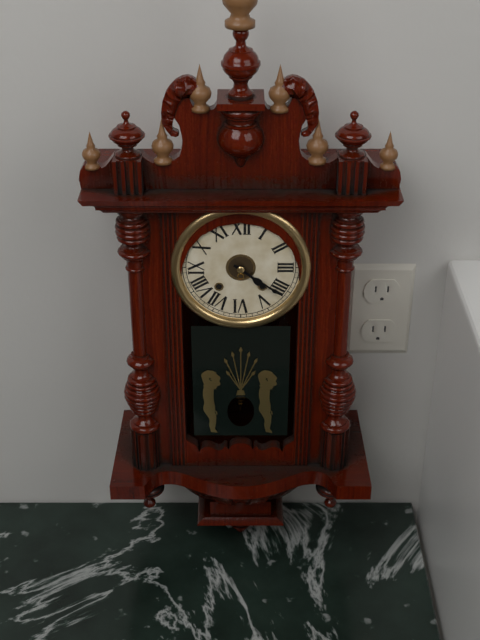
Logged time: **4:21**
